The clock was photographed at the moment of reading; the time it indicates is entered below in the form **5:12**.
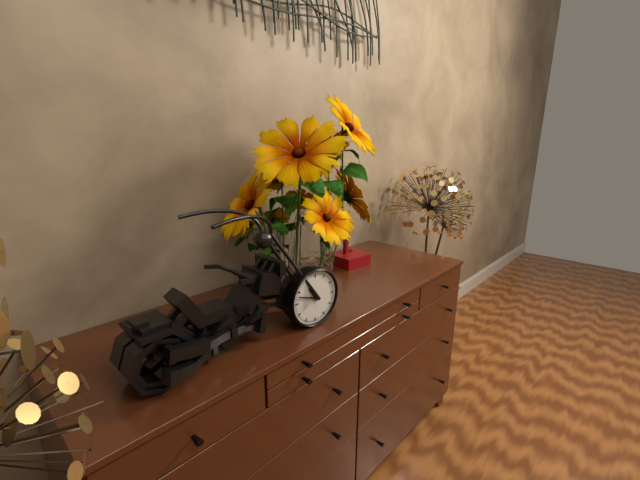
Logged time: **10:48**
